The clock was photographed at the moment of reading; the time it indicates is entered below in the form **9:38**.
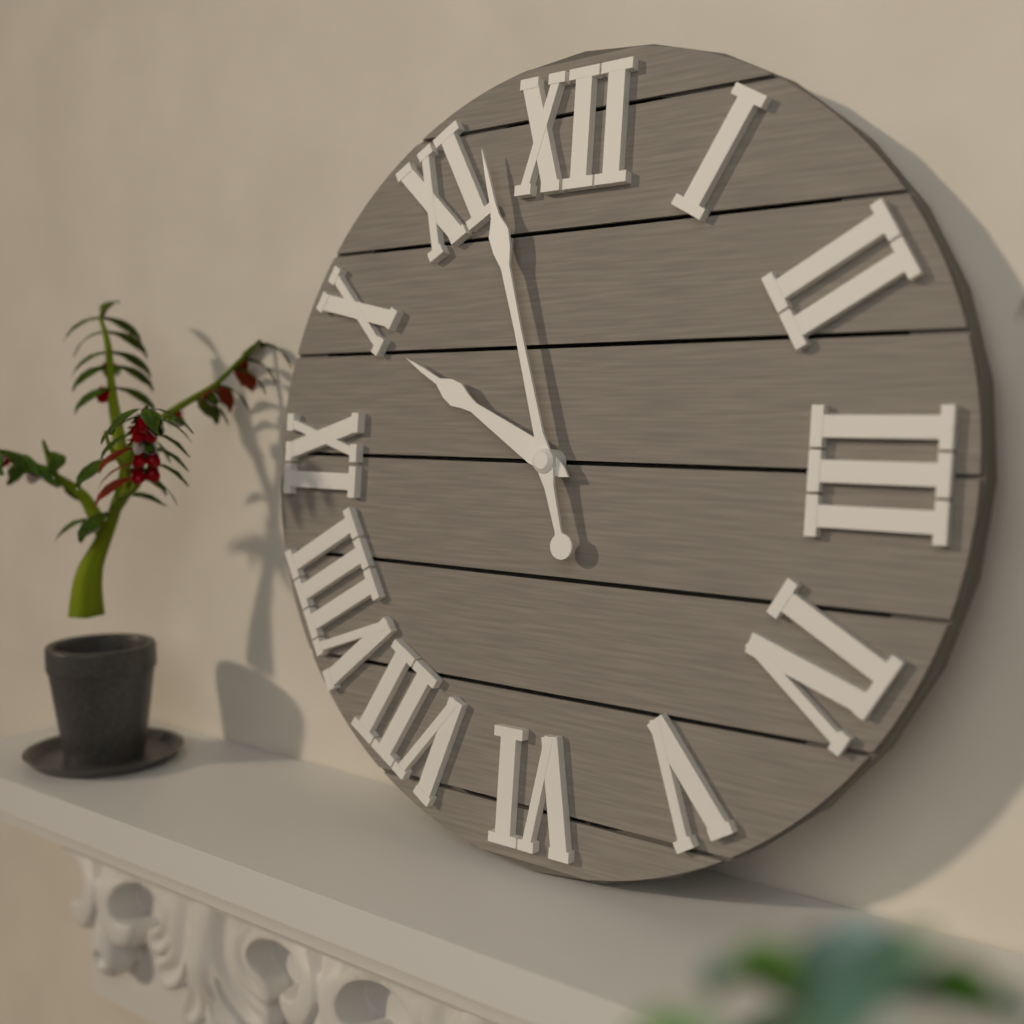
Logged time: **9:57**
